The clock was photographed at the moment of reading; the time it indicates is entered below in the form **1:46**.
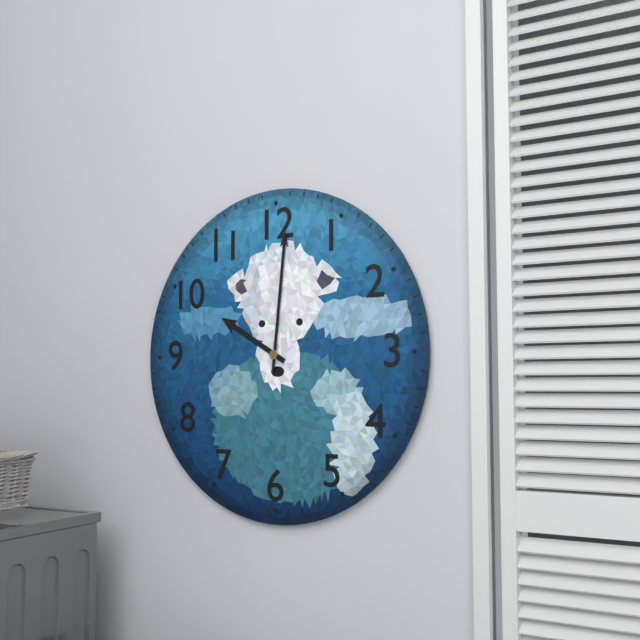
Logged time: **10:01**
